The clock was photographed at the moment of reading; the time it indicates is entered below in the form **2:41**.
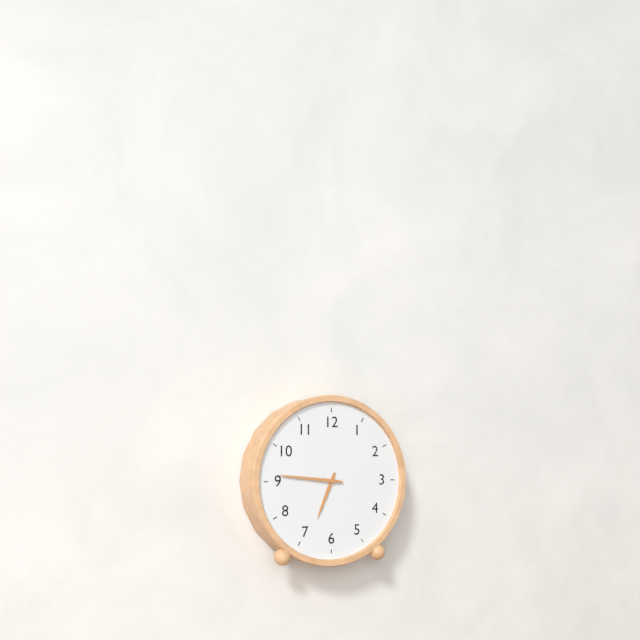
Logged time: **6:46**
